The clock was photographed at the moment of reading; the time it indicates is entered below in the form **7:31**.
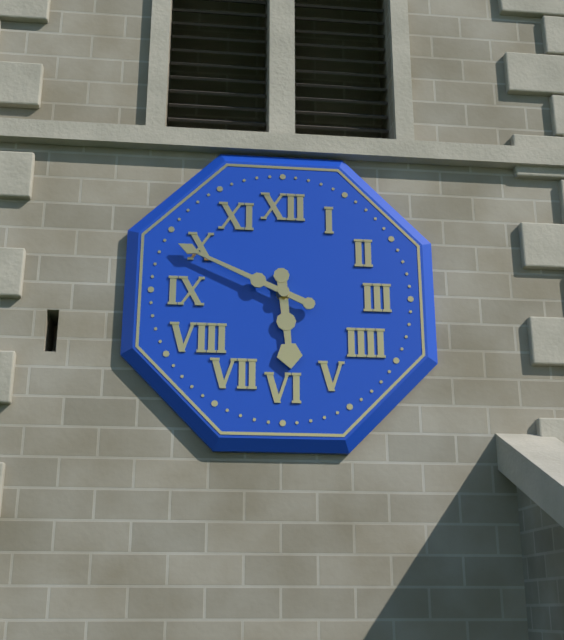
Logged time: **5:49**
